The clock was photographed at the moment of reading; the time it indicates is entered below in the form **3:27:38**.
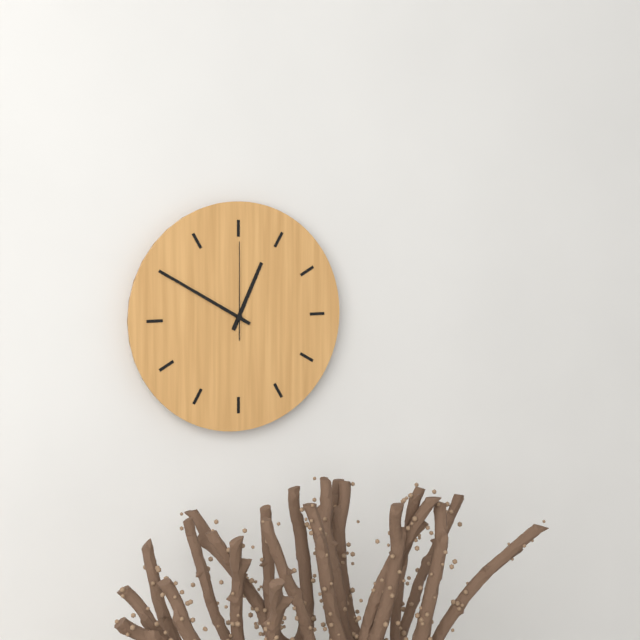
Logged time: **12:50:00**
